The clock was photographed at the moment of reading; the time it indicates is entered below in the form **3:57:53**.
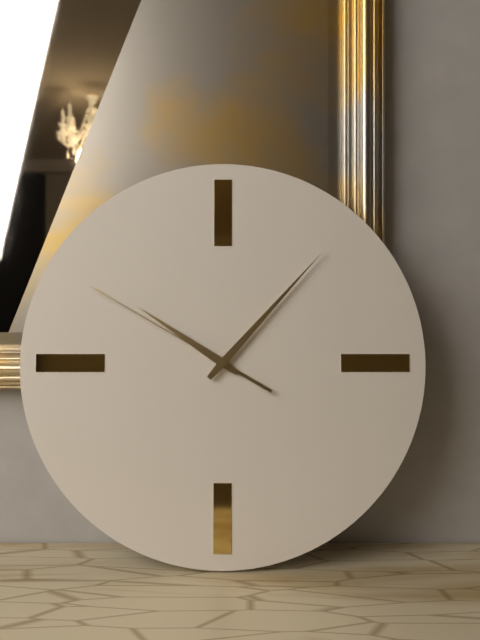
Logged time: **10:07:50**
